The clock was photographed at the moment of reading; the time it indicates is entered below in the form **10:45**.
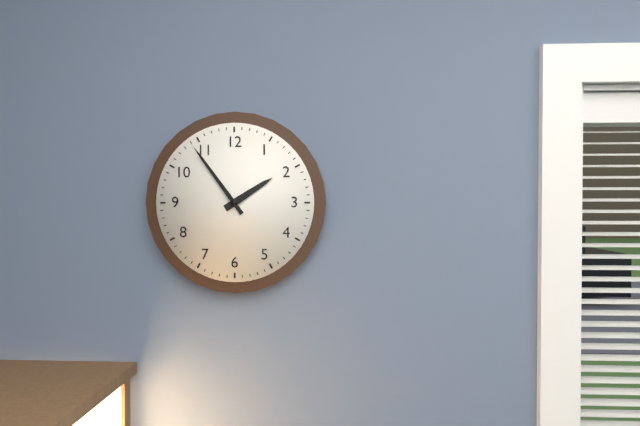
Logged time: **1:54**
